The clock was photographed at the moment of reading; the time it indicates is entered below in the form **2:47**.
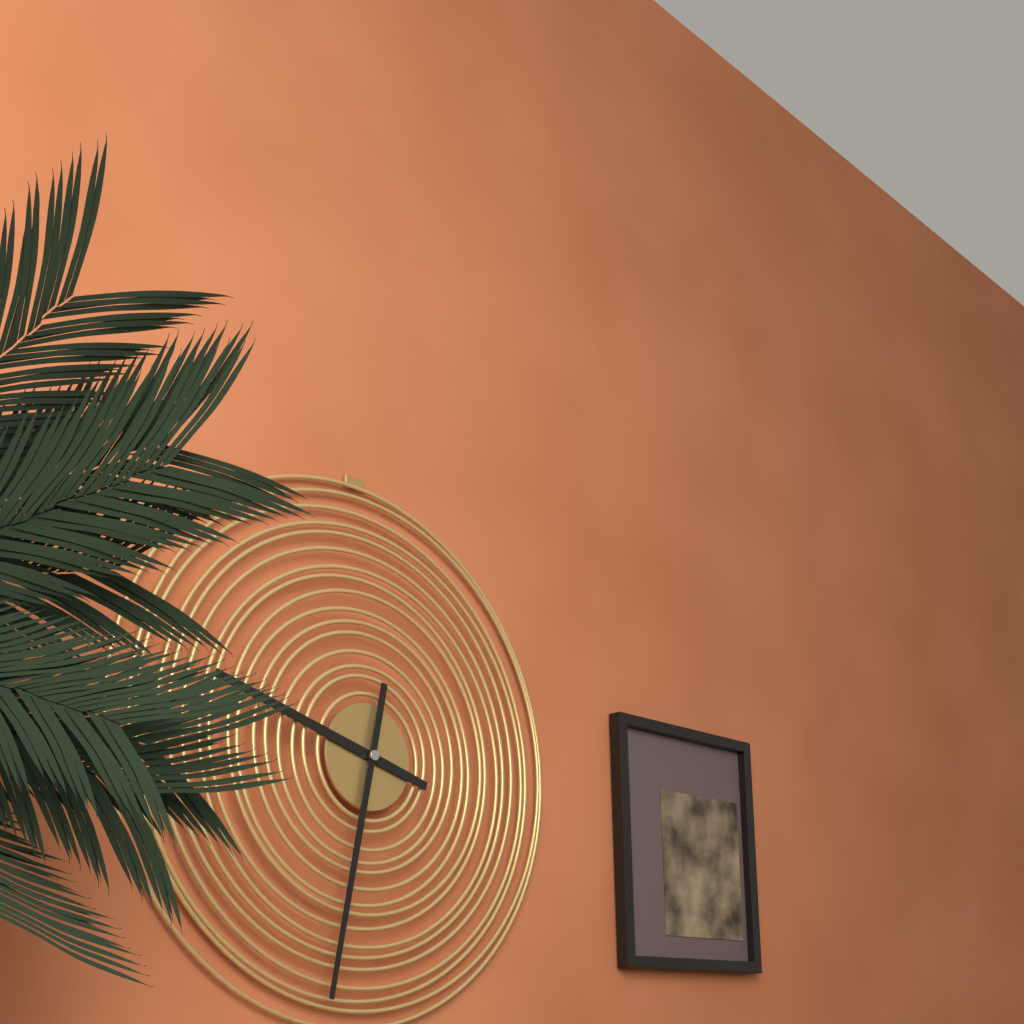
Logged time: **9:32**
